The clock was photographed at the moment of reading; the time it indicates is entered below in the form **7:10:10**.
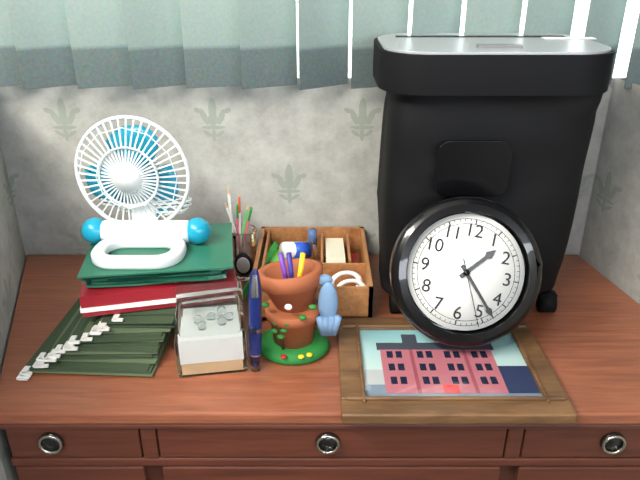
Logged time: **1:23:26**
